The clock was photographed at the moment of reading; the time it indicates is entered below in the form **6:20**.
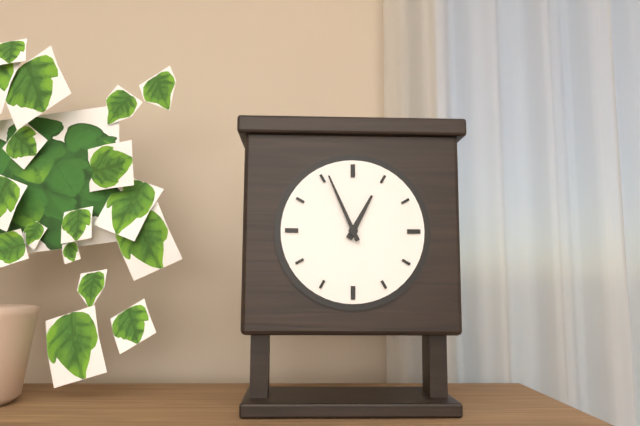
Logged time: **12:56**
